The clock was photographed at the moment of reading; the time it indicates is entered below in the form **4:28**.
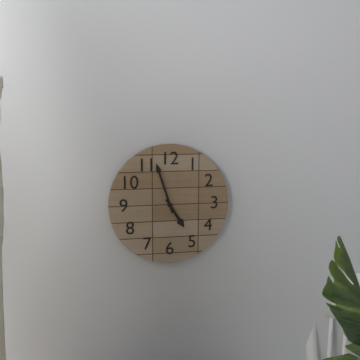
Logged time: **4:57**
